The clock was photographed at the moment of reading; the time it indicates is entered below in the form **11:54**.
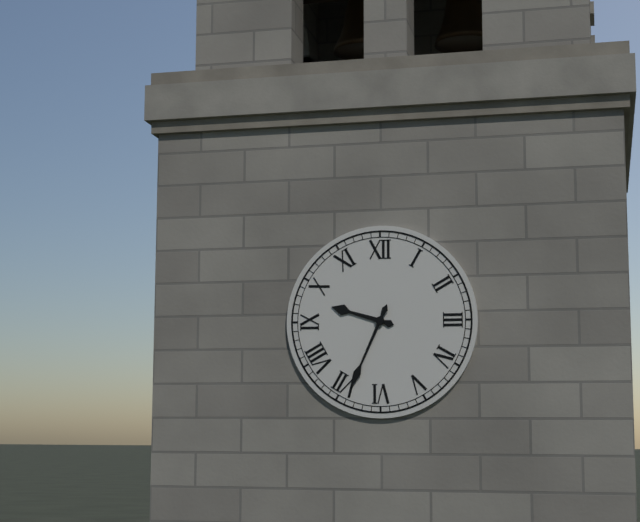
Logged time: **9:34**
